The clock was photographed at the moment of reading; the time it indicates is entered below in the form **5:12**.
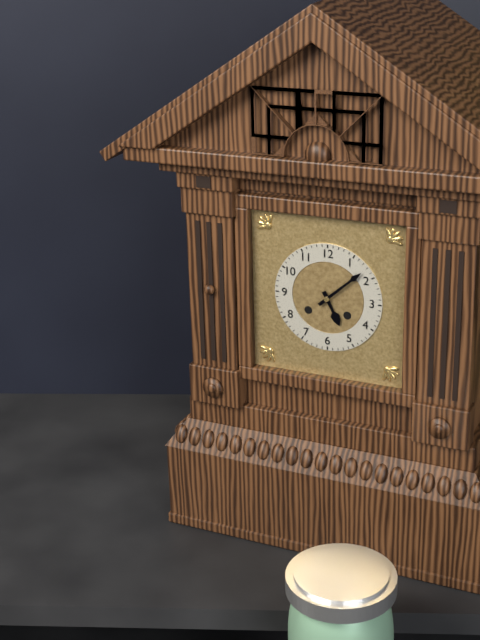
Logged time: **5:08**
